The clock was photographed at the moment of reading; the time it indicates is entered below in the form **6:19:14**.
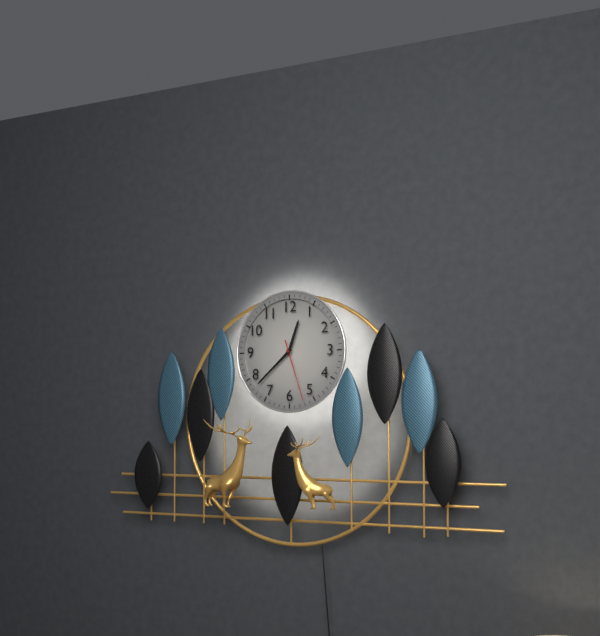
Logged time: **12:38:27**
